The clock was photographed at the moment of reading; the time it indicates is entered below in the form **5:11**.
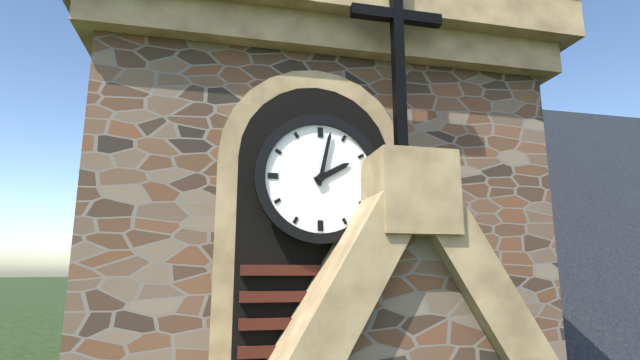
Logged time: **2:02**
